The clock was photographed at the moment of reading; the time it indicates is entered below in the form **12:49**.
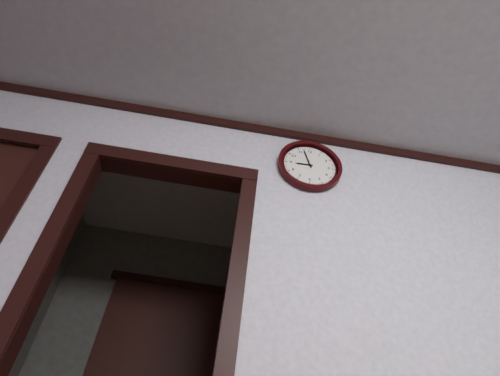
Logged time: **8:57**
